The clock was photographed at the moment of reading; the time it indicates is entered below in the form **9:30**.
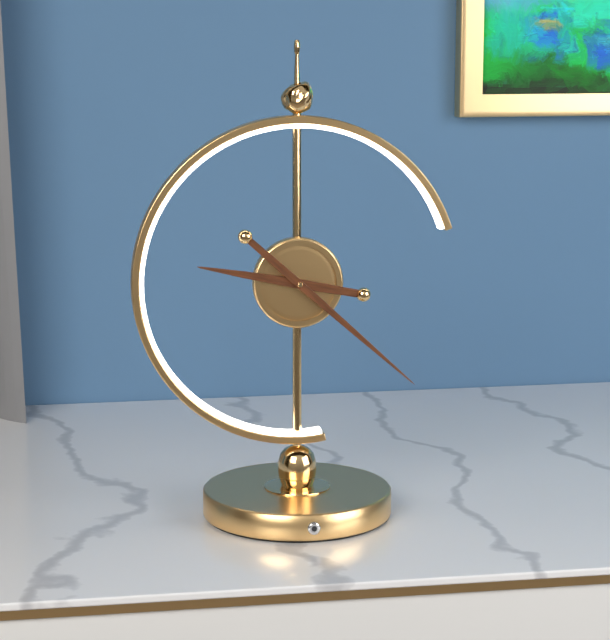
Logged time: **9:22**
